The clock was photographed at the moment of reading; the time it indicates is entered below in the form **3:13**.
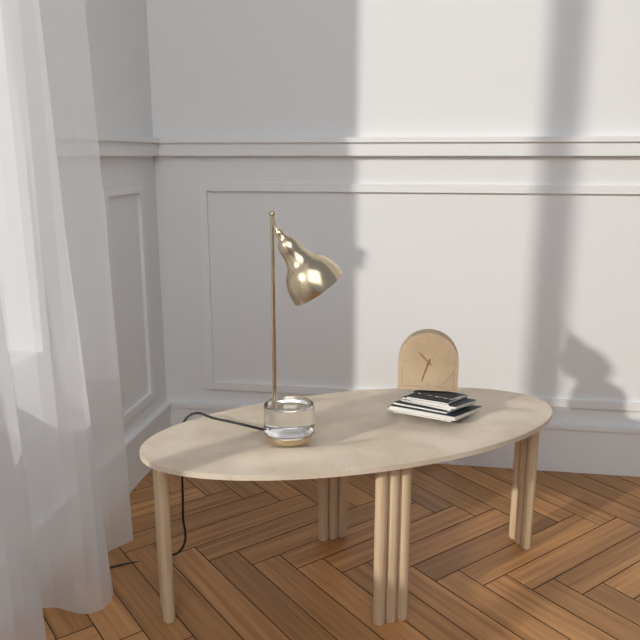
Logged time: **10:33**
